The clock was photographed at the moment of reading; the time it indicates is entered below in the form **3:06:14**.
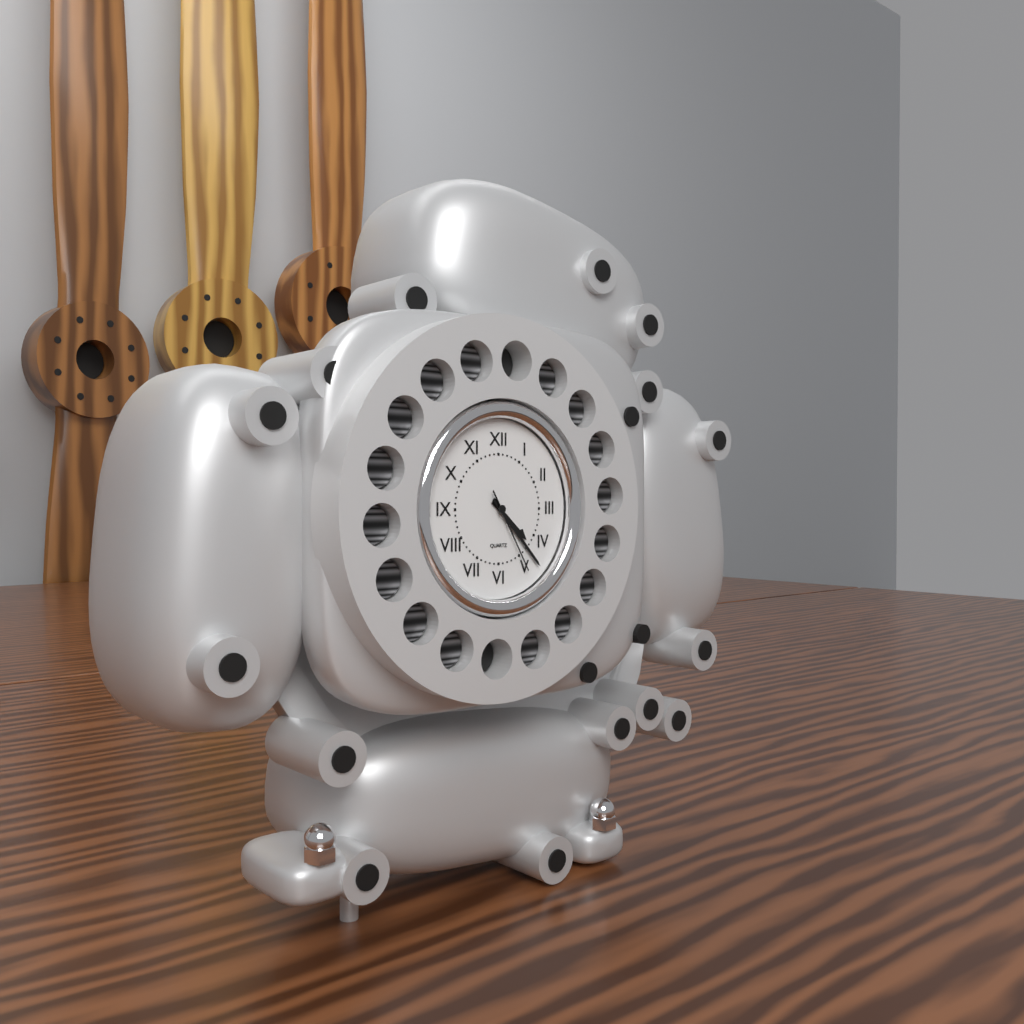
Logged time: **4:23:25**
